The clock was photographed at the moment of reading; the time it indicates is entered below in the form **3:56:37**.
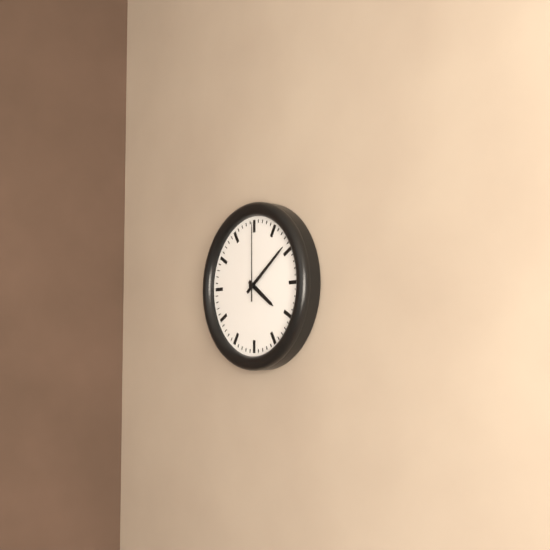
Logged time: **4:09:00**
